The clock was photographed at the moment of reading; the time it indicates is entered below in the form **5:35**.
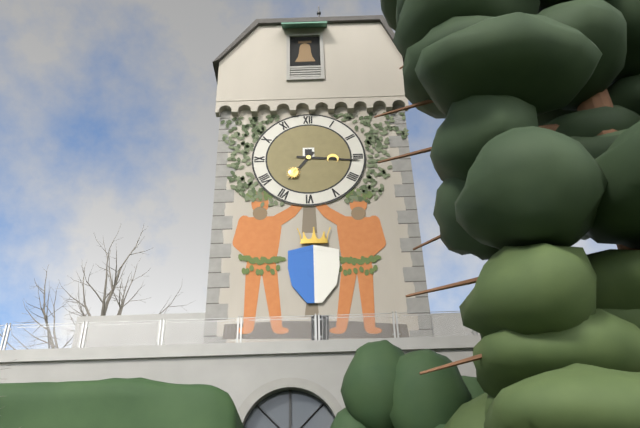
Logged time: **7:16**
